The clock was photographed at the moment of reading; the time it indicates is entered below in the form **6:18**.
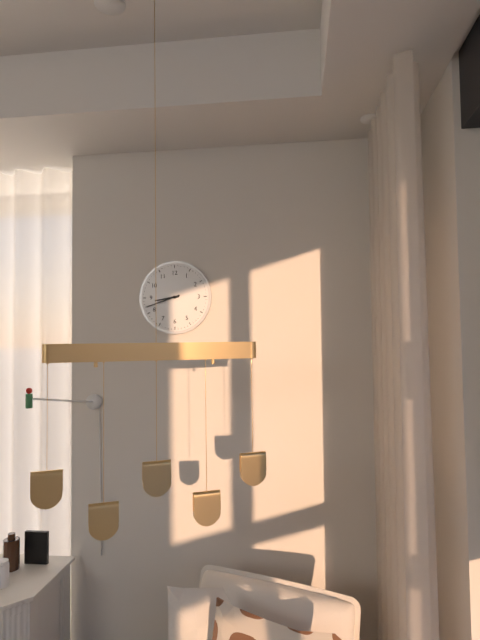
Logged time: **8:42**
